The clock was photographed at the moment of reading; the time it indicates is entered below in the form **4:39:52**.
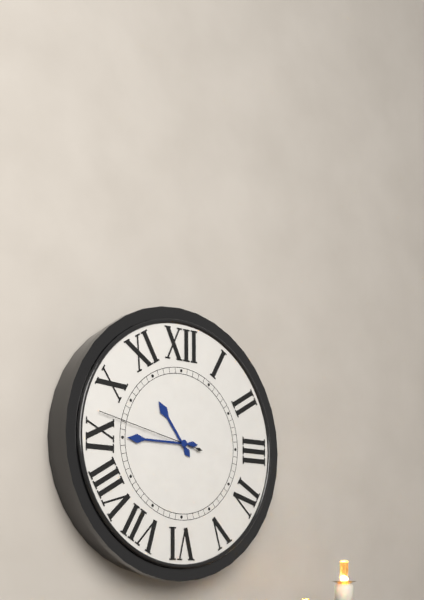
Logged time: **10:45:47**
